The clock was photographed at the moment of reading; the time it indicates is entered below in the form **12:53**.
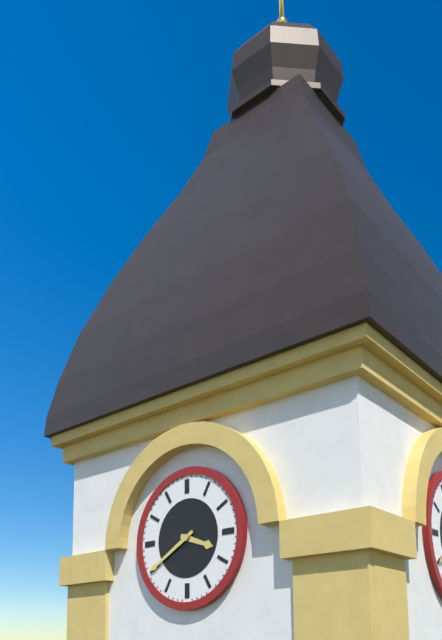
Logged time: **3:40**
